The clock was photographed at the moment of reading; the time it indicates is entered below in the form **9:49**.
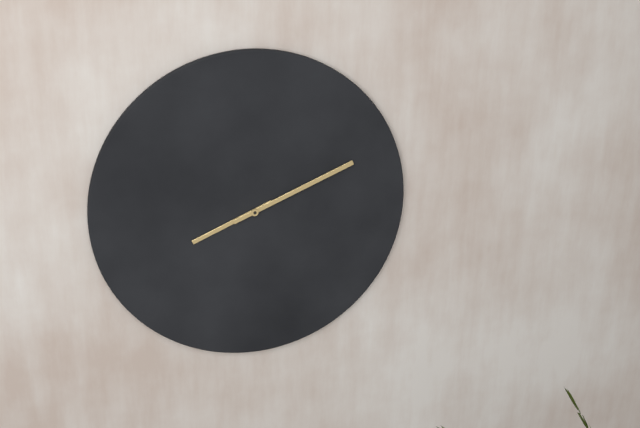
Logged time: **8:11**
